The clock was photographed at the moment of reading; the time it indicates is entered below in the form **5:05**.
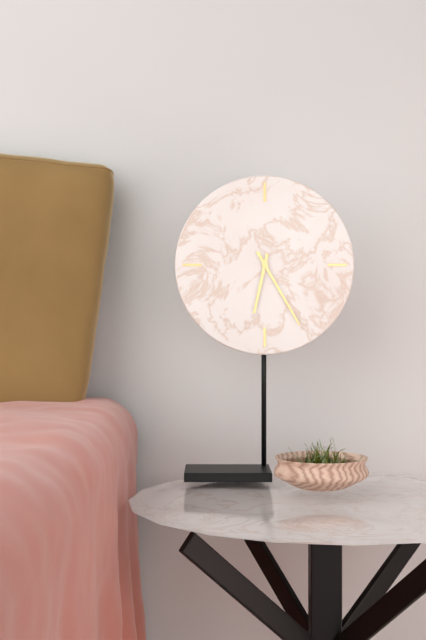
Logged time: **6:25**
